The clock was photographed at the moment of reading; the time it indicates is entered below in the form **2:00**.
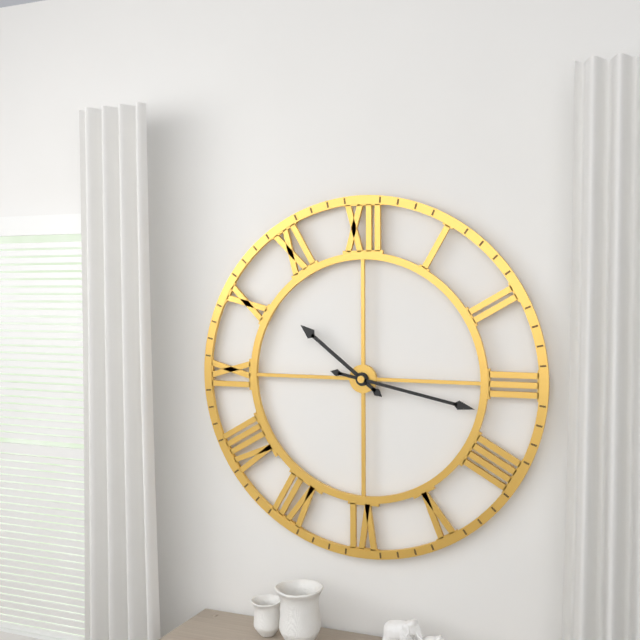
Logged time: **10:17**
